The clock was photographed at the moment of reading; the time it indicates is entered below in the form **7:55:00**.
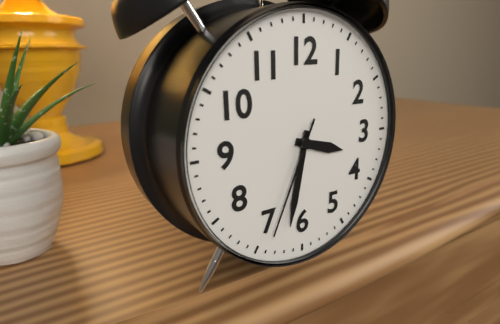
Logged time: **3:32:34**
